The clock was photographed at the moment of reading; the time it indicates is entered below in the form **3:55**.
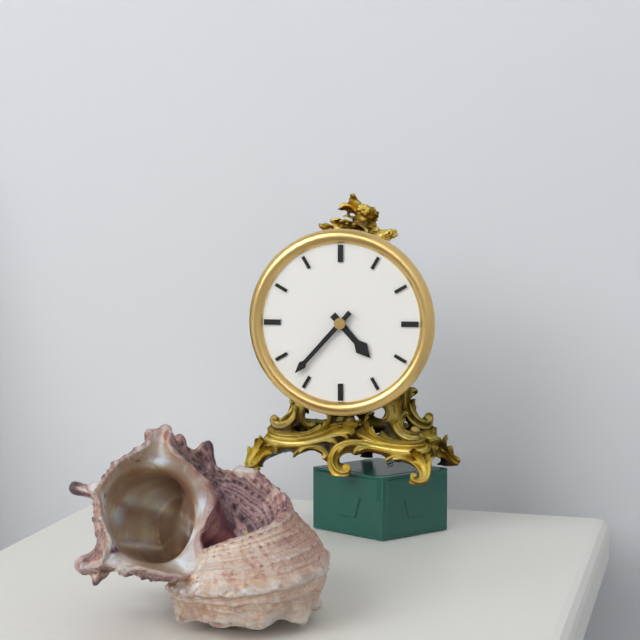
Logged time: **4:37**
